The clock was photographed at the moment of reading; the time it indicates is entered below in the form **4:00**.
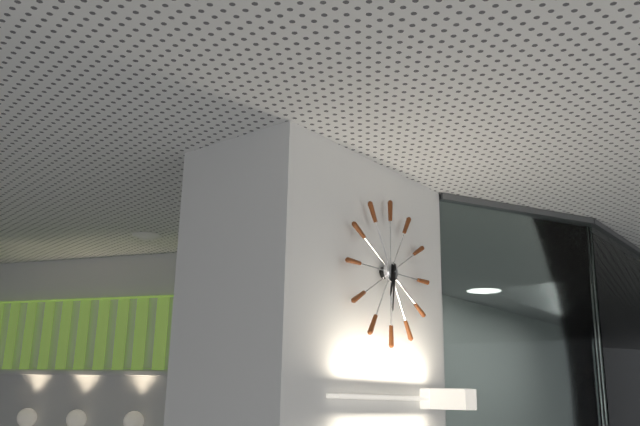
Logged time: **6:31**
